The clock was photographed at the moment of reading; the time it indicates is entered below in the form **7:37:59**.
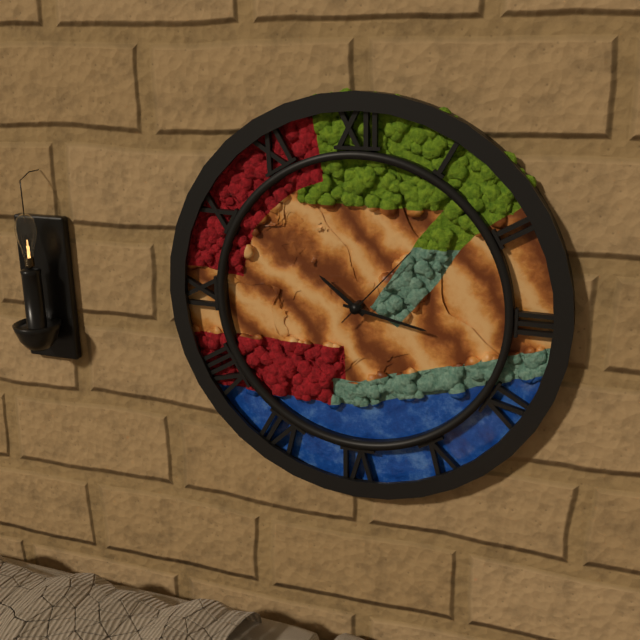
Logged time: **10:17:07**
